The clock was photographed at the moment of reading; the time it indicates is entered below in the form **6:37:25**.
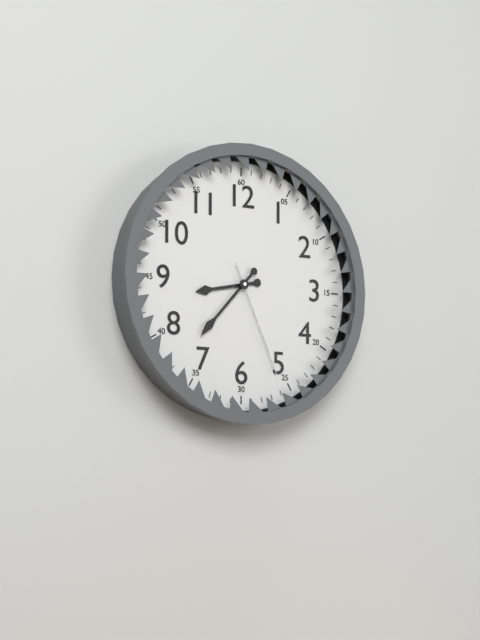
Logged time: **8:37:26**
